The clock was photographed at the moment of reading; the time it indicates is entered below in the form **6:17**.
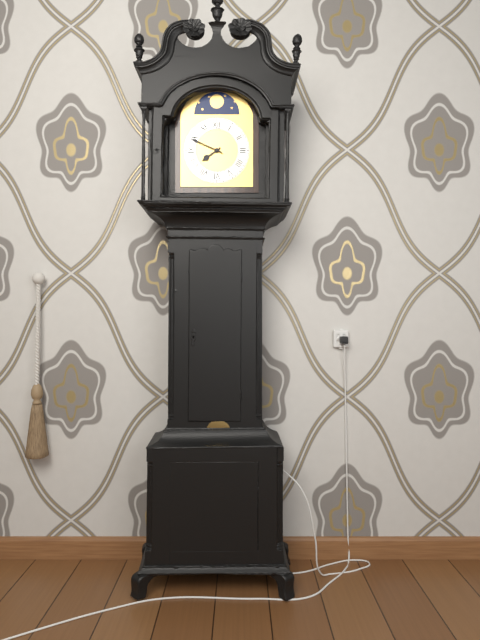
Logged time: **7:49**
